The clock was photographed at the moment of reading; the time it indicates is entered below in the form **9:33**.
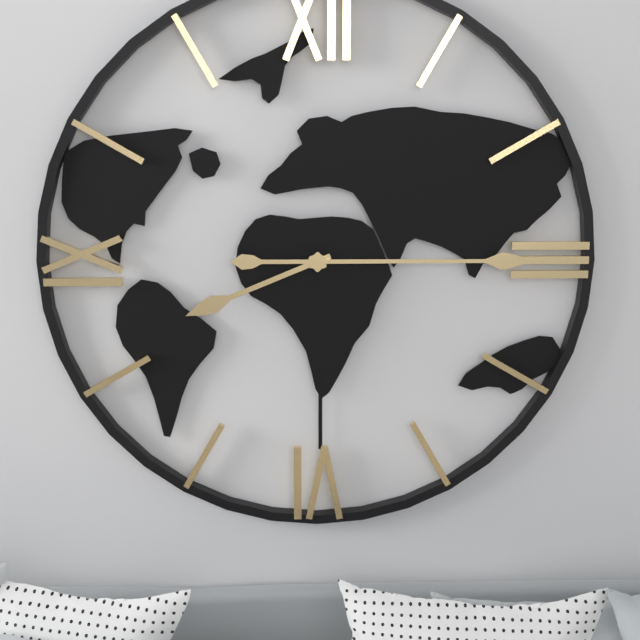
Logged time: **8:15**
